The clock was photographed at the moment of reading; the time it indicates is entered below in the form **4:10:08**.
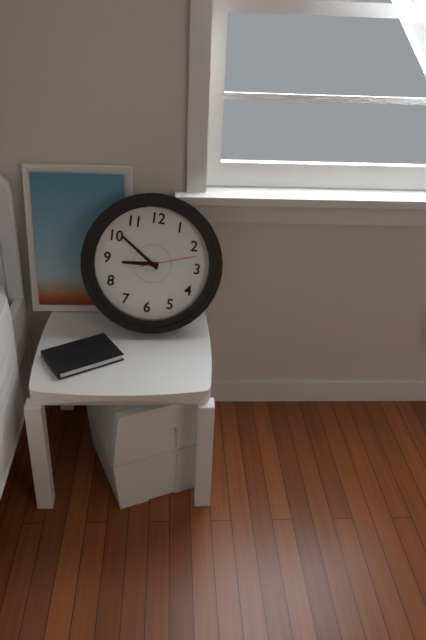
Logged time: **8:51:12**
